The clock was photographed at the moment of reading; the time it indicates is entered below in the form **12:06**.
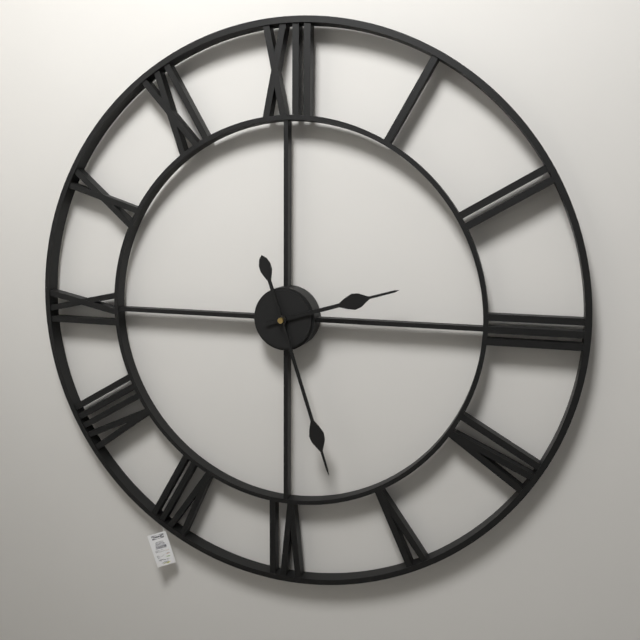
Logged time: **2:27**
